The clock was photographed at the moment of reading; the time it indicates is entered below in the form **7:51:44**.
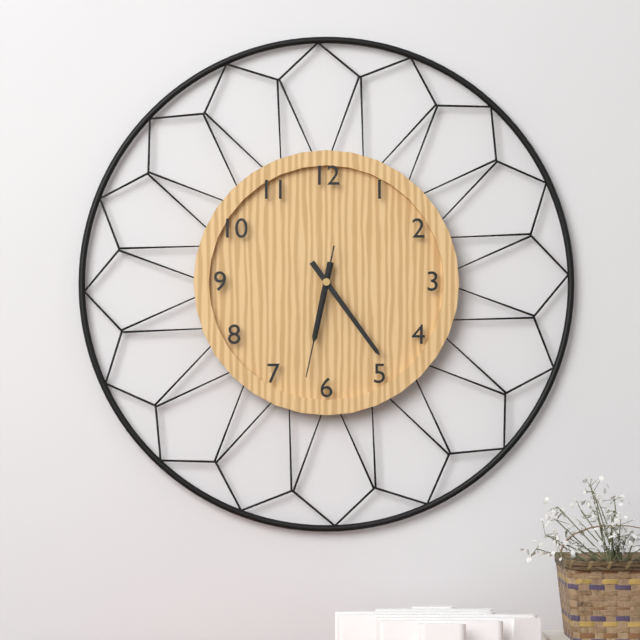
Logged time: **6:24:32**
